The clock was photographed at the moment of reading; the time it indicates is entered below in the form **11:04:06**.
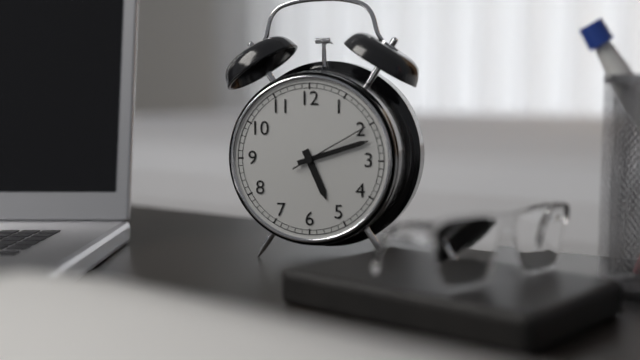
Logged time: **5:12:10**
